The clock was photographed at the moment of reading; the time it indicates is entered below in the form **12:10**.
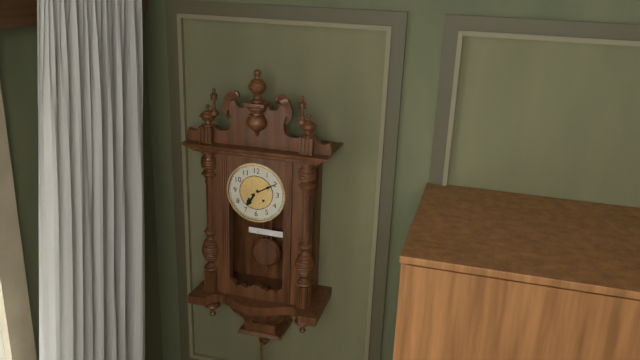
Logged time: **7:10**
